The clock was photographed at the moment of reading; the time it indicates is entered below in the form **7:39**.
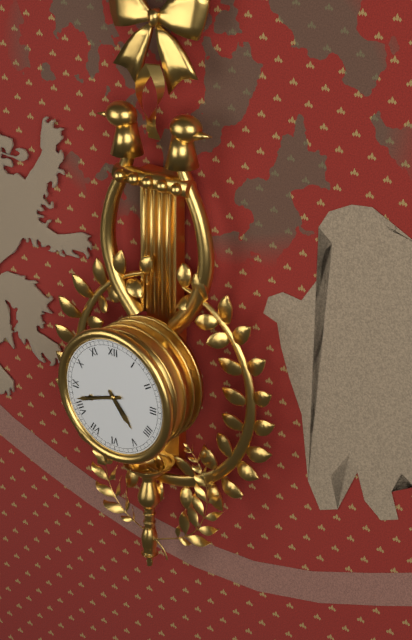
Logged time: **4:42**
